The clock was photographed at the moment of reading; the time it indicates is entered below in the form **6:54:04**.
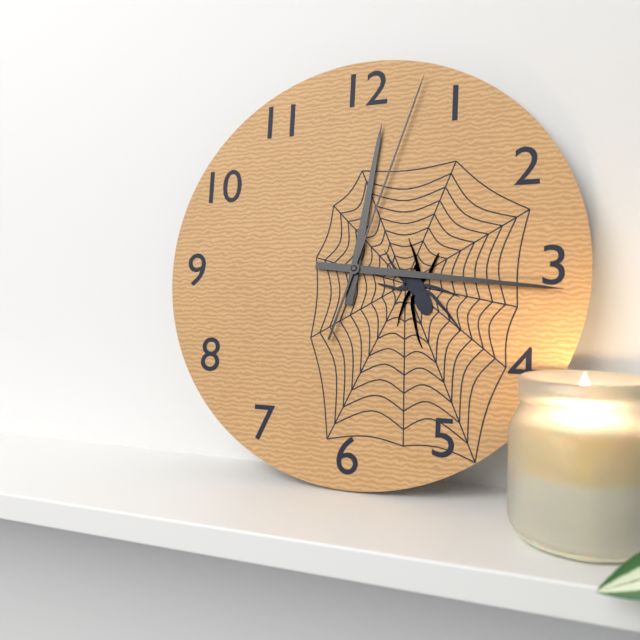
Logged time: **12:16:03**
